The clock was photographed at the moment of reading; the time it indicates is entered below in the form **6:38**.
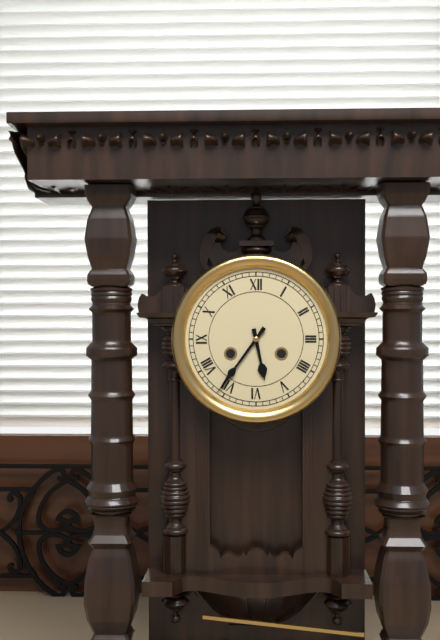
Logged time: **5:36**
